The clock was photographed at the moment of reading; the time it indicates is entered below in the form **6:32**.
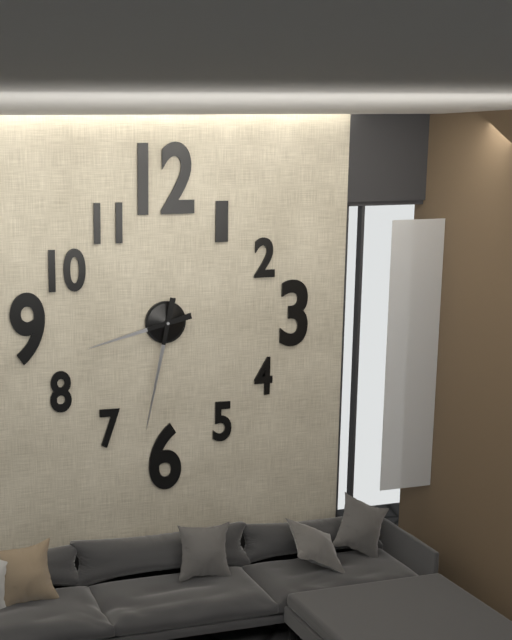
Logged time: **8:32**
